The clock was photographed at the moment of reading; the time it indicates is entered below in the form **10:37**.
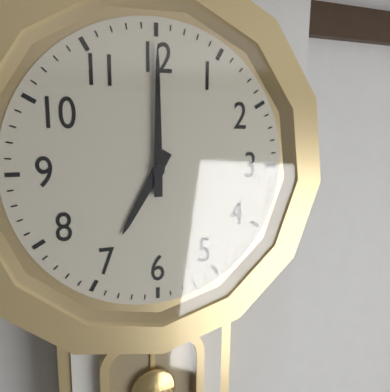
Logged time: **7:00**
